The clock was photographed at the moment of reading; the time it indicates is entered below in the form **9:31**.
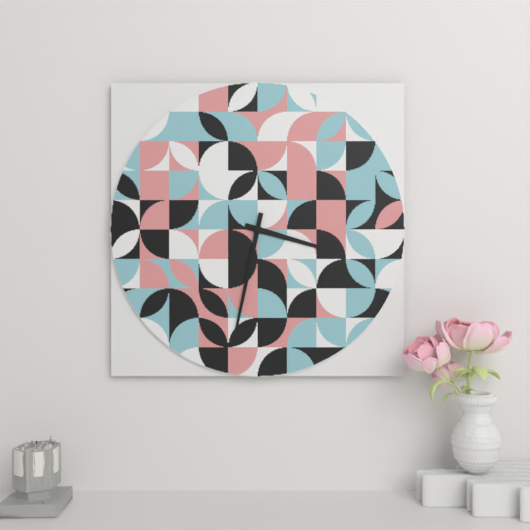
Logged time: **3:32**
